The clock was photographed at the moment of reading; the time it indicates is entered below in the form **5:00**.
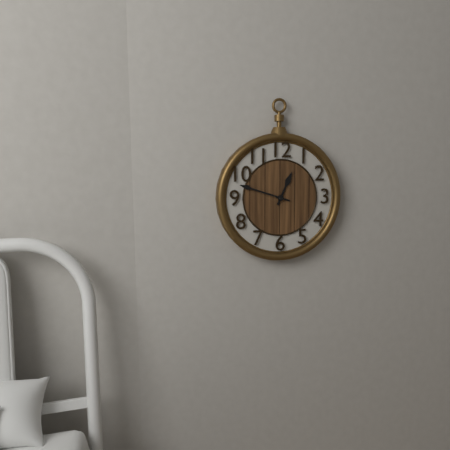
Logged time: **12:48**
